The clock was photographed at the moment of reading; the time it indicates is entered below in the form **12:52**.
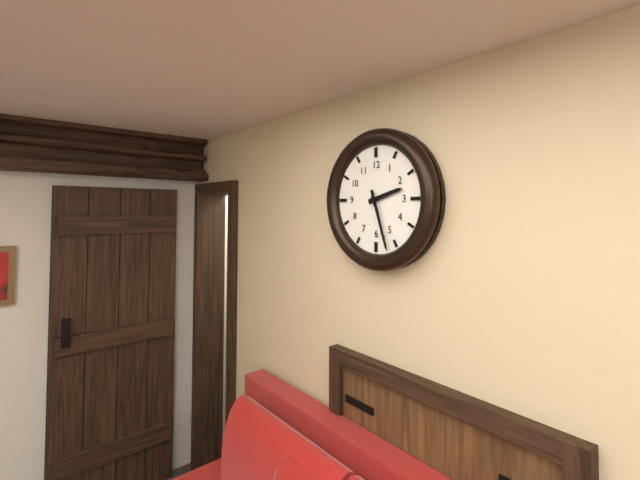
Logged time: **2:27**
